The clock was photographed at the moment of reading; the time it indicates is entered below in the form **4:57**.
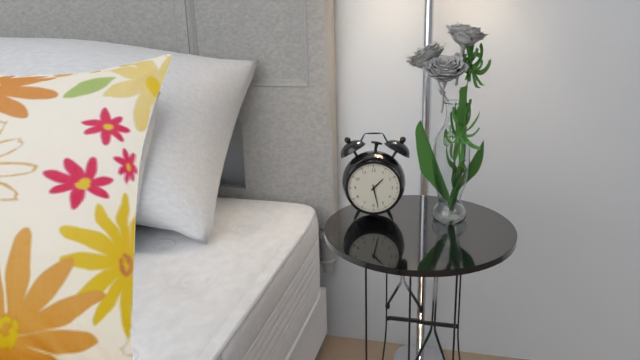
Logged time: **1:28**
